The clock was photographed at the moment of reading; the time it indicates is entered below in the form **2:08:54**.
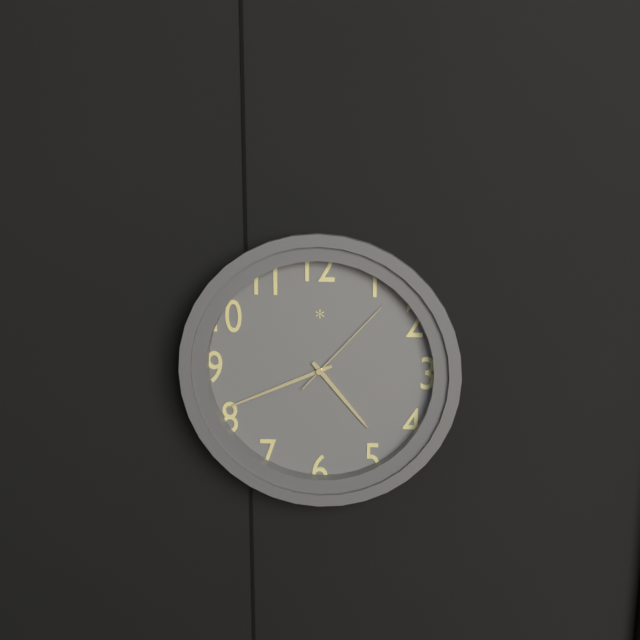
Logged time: **4:41:07**
